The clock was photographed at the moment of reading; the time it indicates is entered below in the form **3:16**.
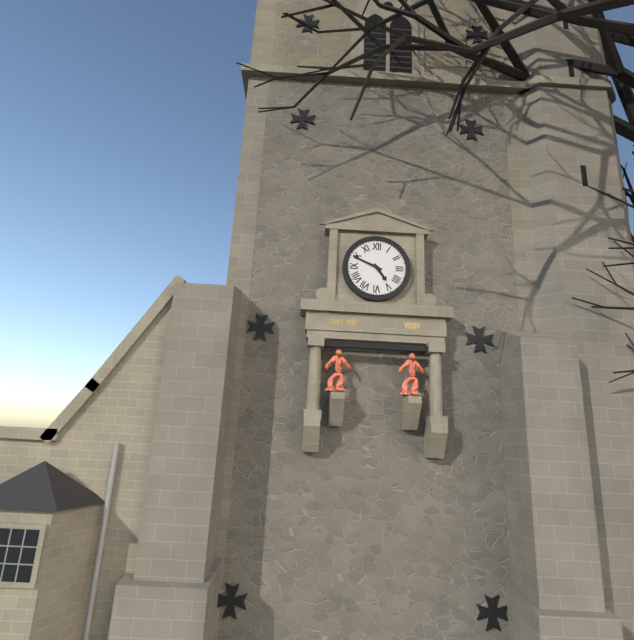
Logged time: **4:49**
